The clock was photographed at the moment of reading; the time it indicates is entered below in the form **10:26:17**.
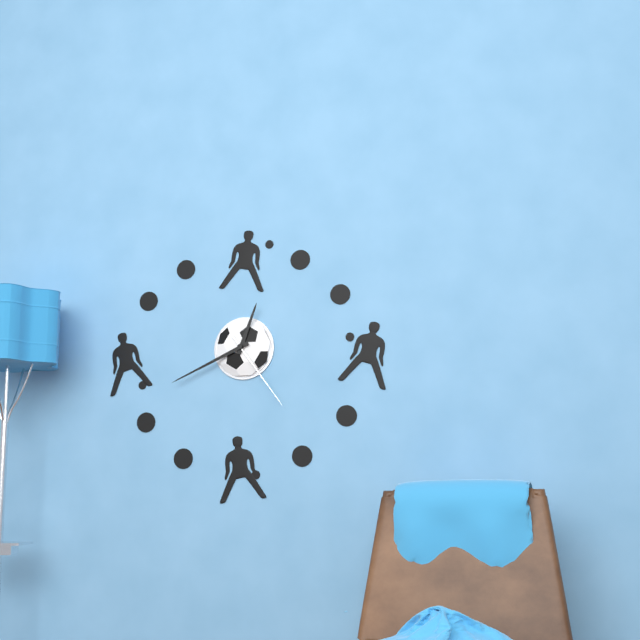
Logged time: **12:41:24**
